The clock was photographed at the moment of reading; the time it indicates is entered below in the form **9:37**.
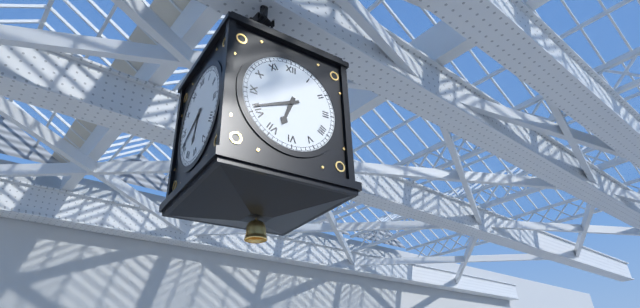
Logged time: **6:41**
